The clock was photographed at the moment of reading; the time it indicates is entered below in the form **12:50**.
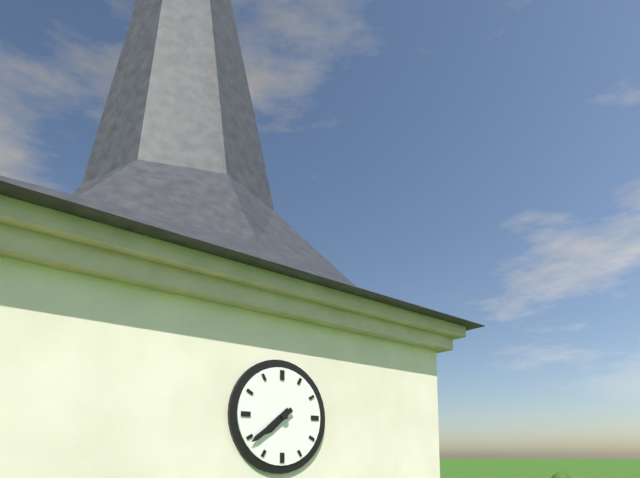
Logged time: **7:39**
